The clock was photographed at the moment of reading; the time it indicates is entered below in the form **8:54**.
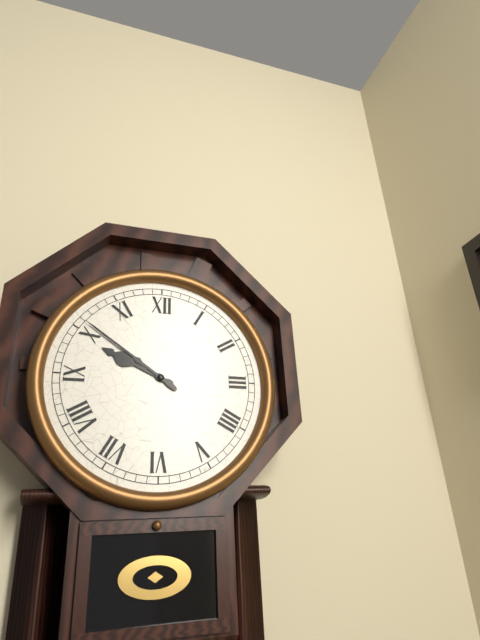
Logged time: **9:51**
